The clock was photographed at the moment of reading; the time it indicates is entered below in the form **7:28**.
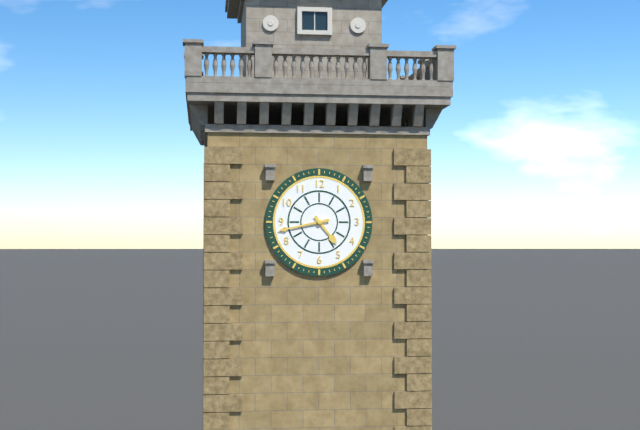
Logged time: **4:43**
